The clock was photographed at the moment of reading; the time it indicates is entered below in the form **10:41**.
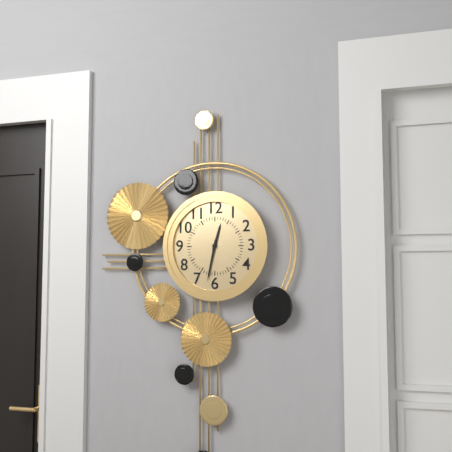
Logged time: **12:32**
